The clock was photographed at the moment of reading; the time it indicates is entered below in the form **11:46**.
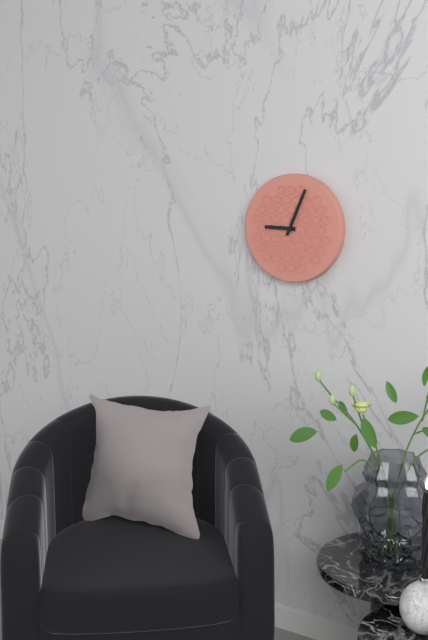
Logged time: **9:04**
